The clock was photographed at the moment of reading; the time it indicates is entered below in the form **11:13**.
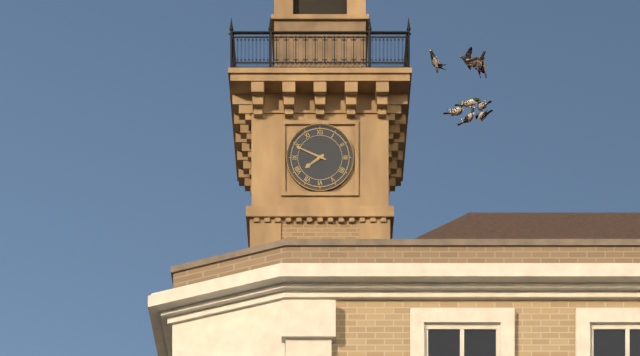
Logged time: **7:49**
